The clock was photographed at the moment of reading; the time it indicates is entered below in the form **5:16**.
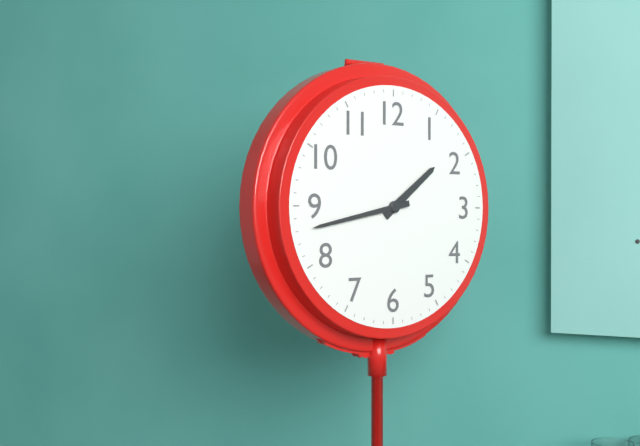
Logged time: **1:43**
